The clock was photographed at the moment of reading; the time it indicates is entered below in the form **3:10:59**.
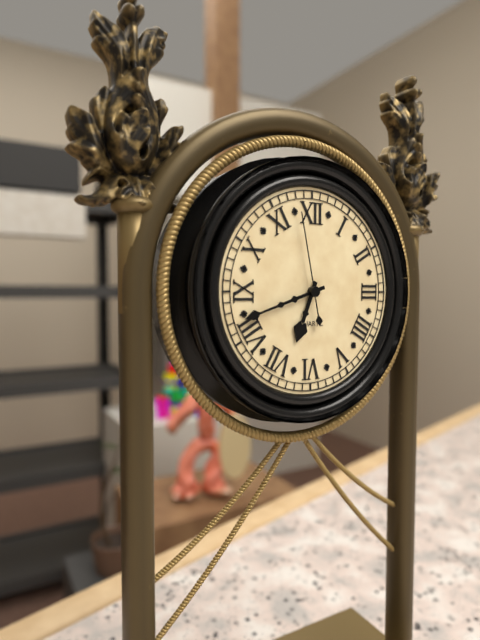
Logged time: **6:42:58**
